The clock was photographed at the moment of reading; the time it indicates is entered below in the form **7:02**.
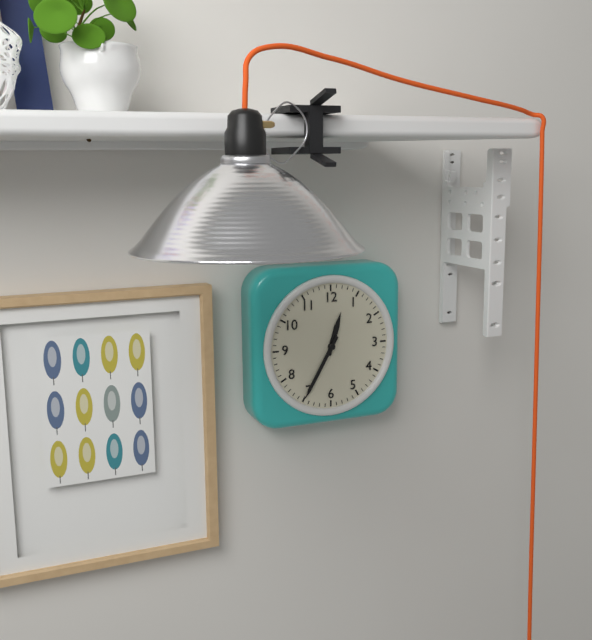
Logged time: **12:35**
